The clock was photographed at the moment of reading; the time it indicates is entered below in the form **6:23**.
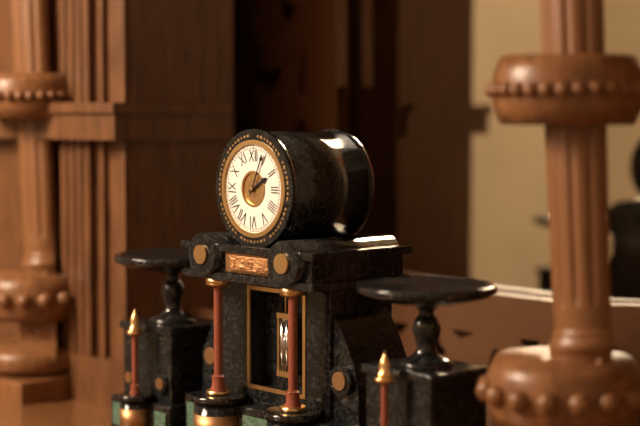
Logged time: **2:04**
